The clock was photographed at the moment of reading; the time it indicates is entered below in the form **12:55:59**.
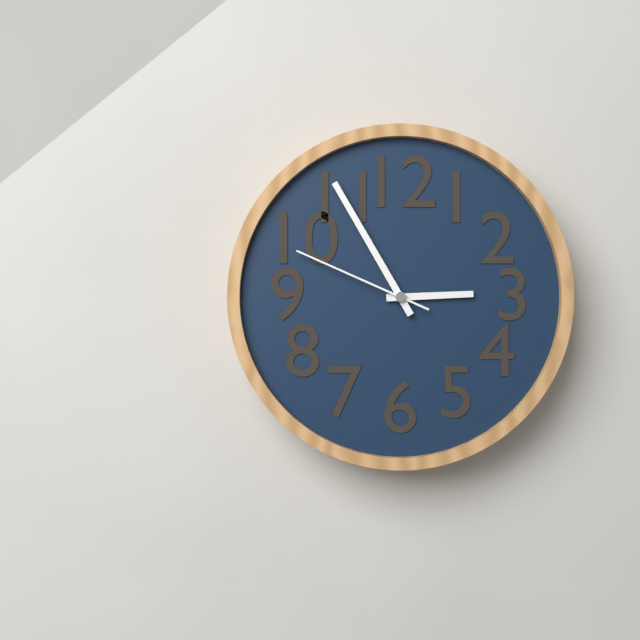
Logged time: **2:55:49**
